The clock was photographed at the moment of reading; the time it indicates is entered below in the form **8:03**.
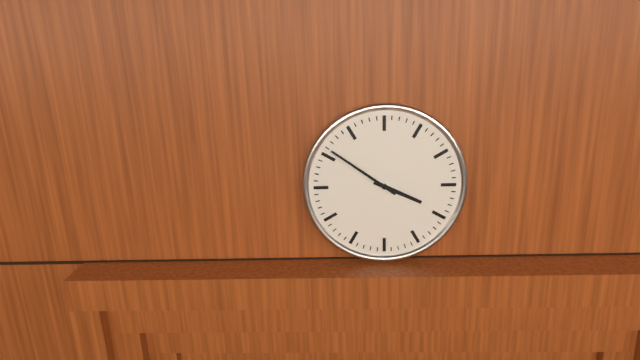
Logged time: **3:51**
